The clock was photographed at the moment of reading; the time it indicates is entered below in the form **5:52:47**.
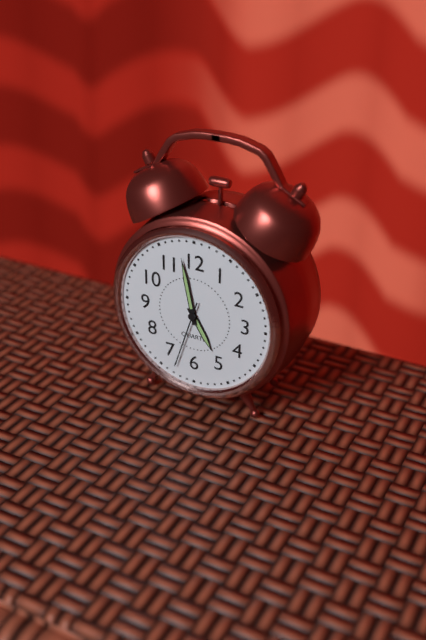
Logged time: **4:58:33**
